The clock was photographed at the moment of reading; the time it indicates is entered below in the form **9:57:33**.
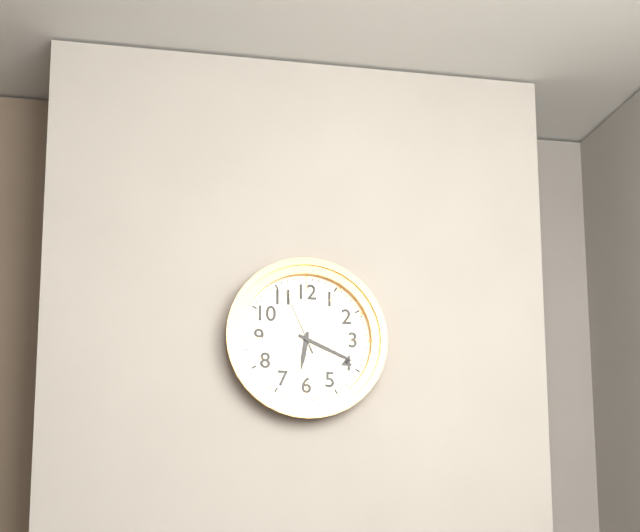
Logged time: **6:19:56**
